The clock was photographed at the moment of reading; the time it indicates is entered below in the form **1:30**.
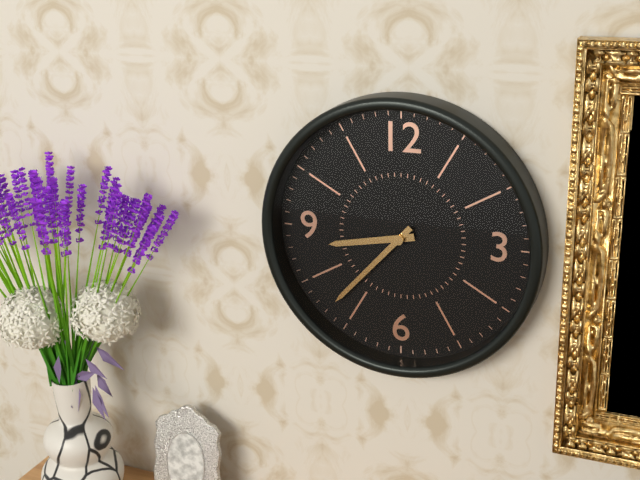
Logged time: **8:37**
